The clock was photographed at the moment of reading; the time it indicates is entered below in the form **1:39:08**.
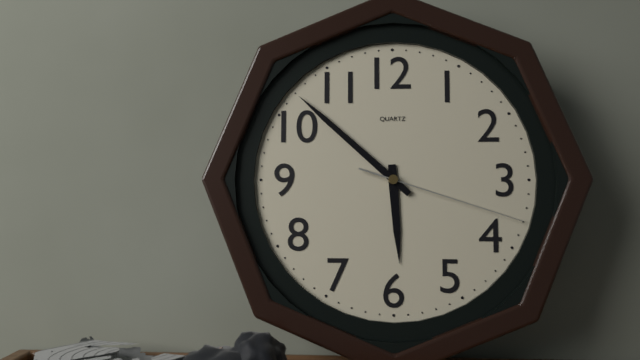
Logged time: **5:52:18**
